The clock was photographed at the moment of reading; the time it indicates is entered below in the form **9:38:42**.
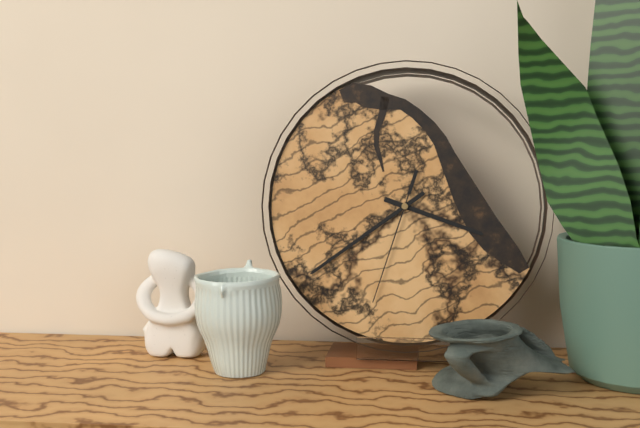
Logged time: **3:39:33**
